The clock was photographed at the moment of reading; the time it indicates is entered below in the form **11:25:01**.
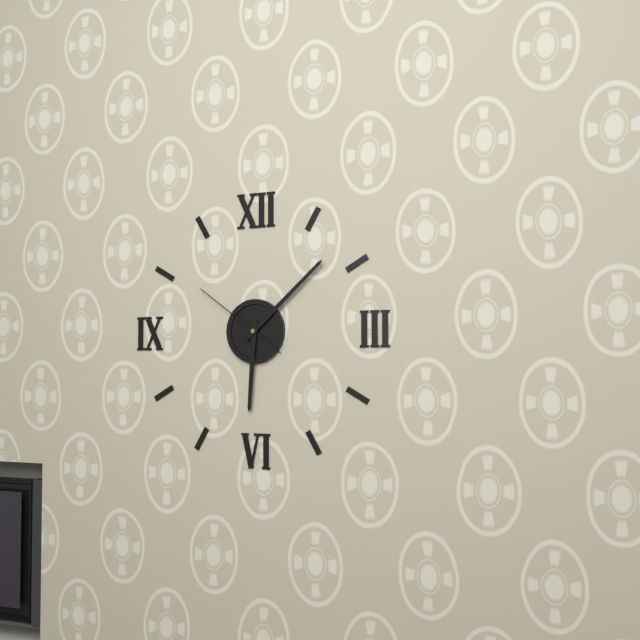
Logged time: **6:08:51**
